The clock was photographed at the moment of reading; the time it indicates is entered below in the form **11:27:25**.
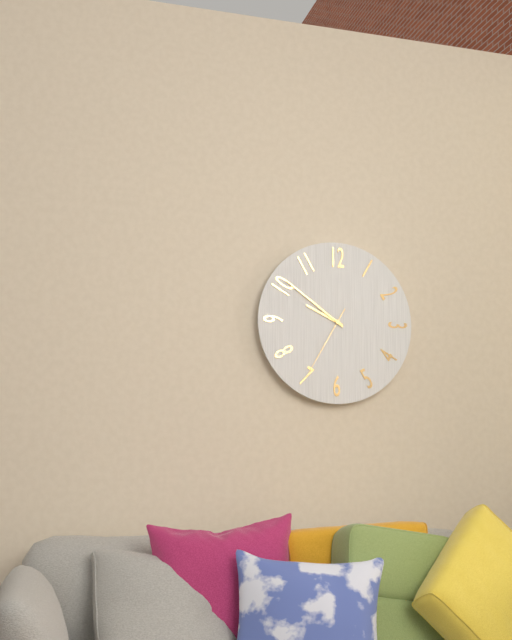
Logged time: **9:51:35**
